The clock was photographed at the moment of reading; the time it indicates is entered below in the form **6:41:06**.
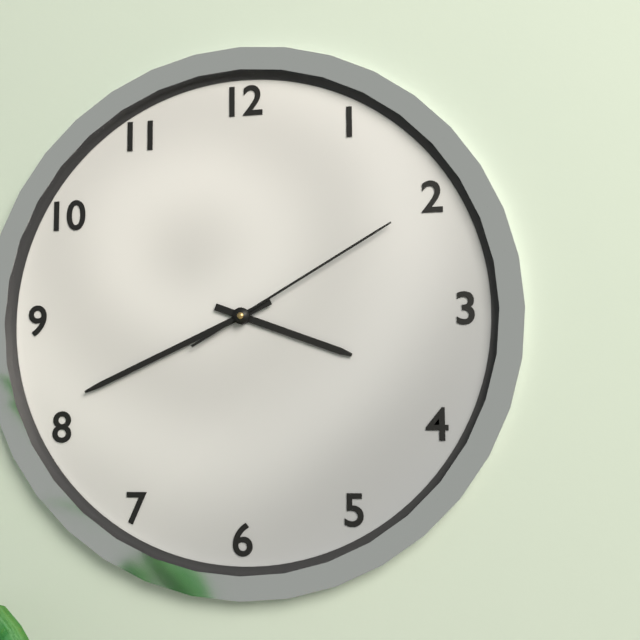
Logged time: **3:41:10**
